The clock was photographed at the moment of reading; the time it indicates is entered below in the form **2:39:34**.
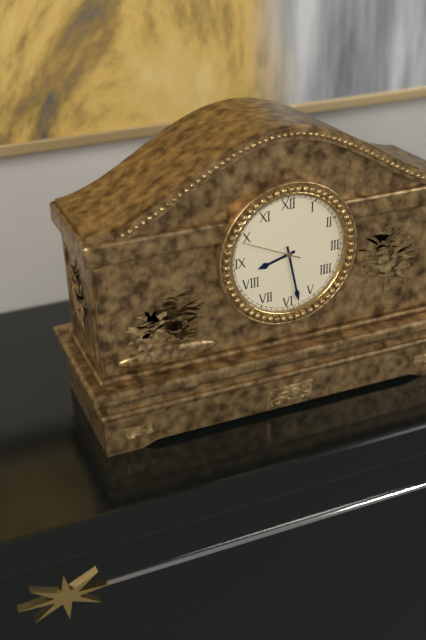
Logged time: **8:28:49**
